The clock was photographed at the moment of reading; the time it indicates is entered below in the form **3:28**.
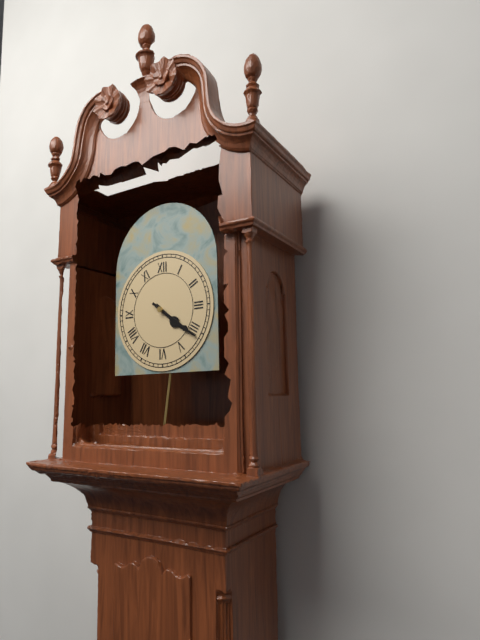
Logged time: **4:21**
